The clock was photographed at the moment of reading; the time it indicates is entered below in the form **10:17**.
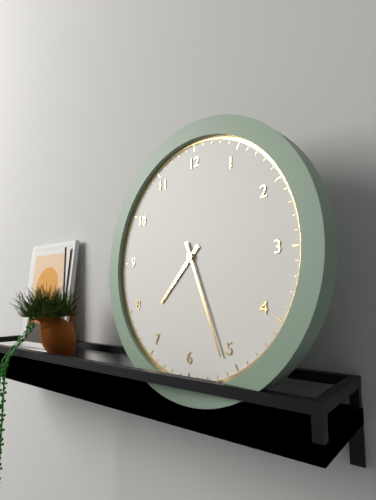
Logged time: **7:26**
